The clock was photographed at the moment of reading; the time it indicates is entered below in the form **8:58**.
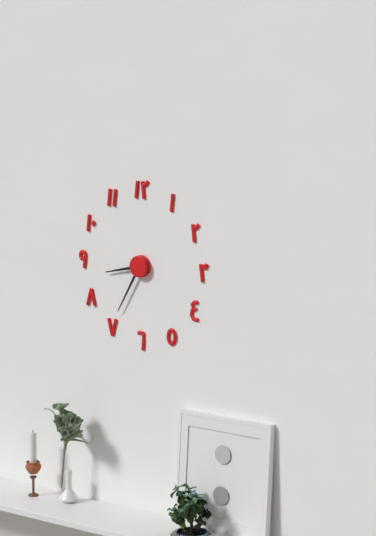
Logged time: **8:35**
